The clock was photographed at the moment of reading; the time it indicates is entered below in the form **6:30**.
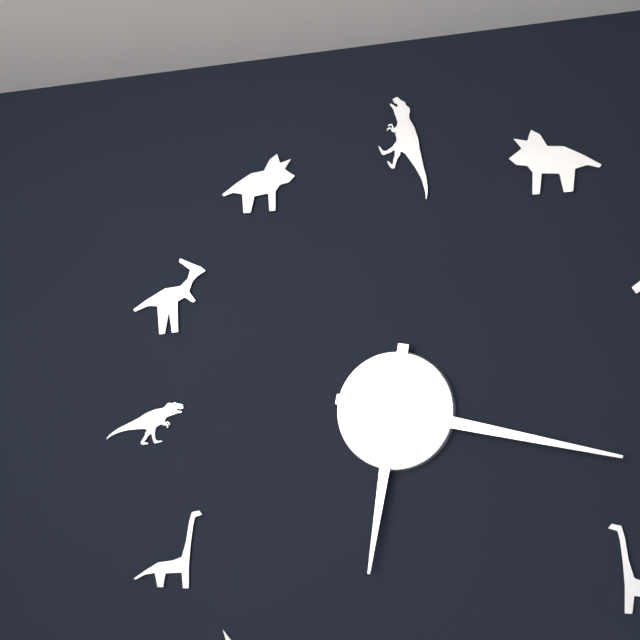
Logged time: **6:17**
